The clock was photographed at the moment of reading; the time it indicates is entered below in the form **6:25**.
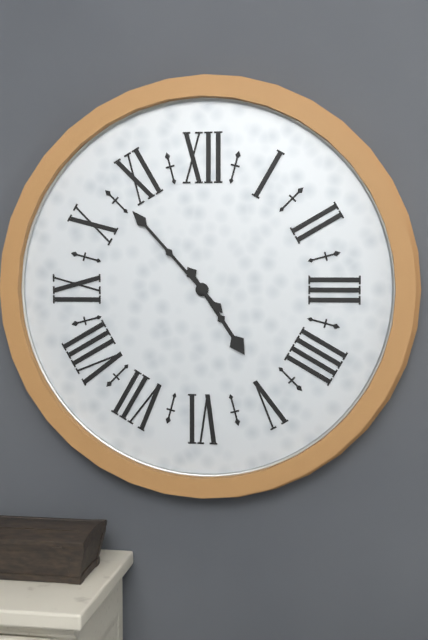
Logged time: **4:53**
